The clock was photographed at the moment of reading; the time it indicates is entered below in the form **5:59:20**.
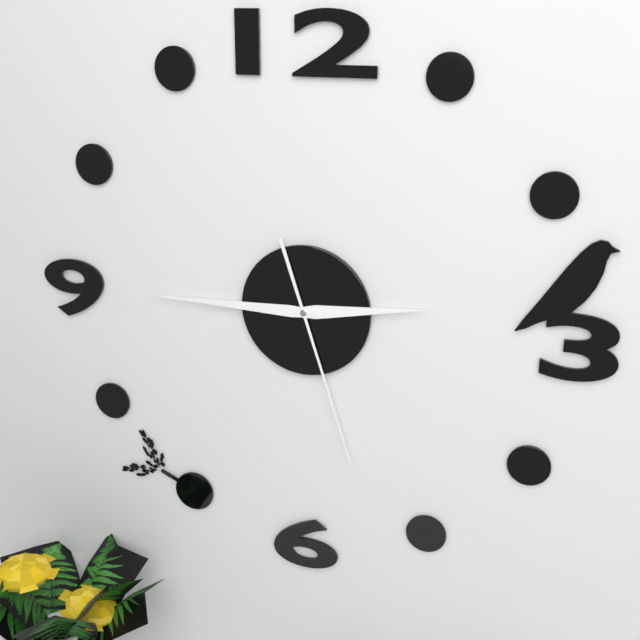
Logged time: **2:45:27**
